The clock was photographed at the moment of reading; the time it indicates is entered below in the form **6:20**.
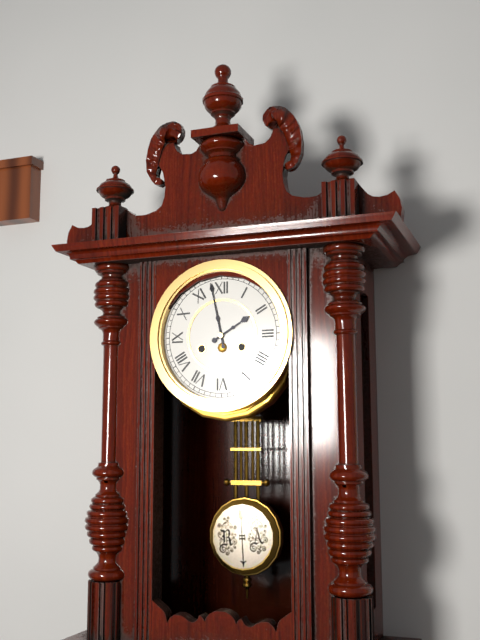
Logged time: **1:58**
